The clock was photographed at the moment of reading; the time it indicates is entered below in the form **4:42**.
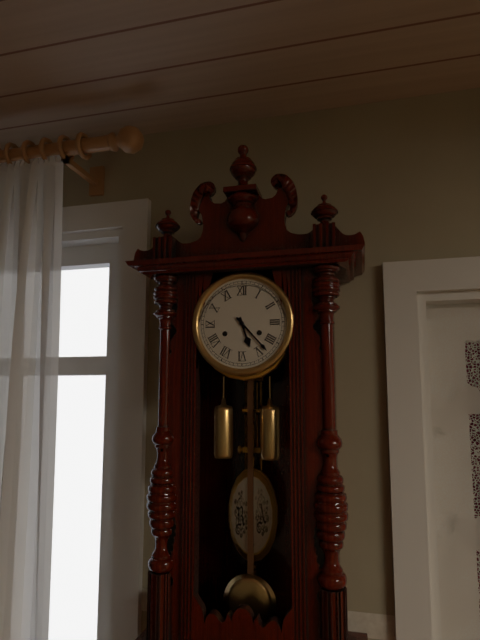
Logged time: **5:23**
